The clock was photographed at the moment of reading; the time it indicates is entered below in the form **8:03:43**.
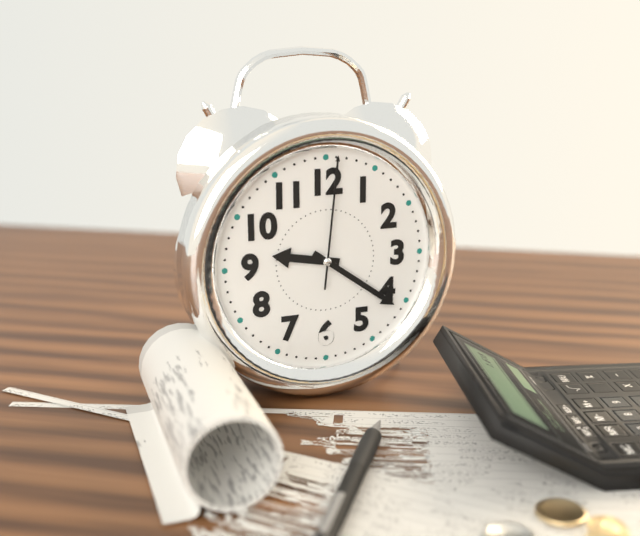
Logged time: **9:21:01**
